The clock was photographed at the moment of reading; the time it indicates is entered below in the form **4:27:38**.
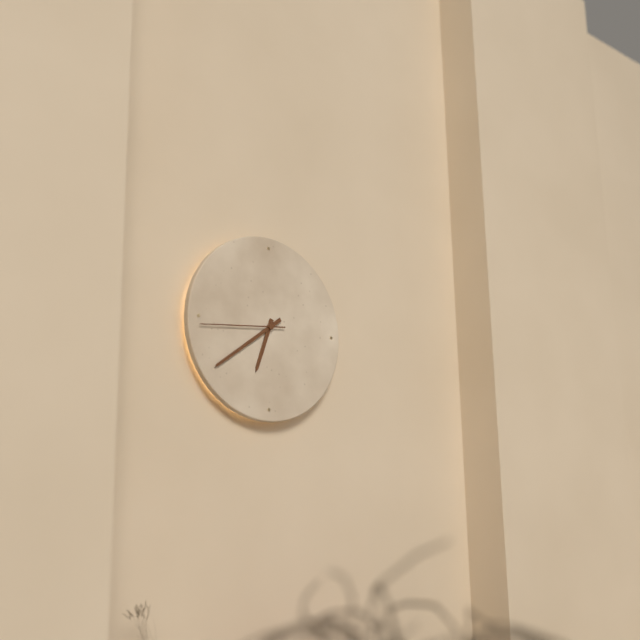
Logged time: **6:39:44**
